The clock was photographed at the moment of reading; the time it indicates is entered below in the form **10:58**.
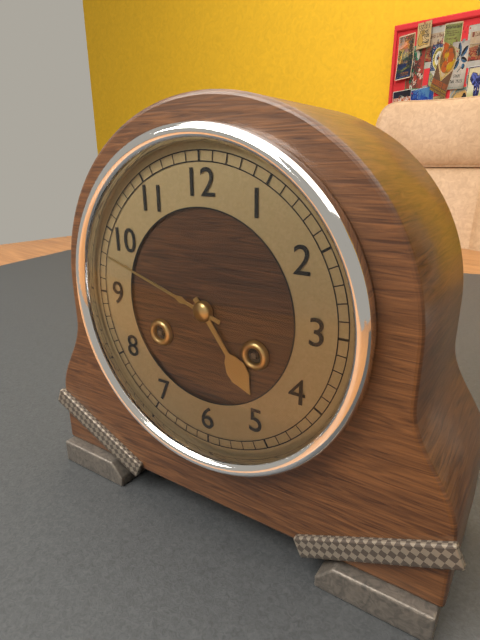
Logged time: **4:48**
